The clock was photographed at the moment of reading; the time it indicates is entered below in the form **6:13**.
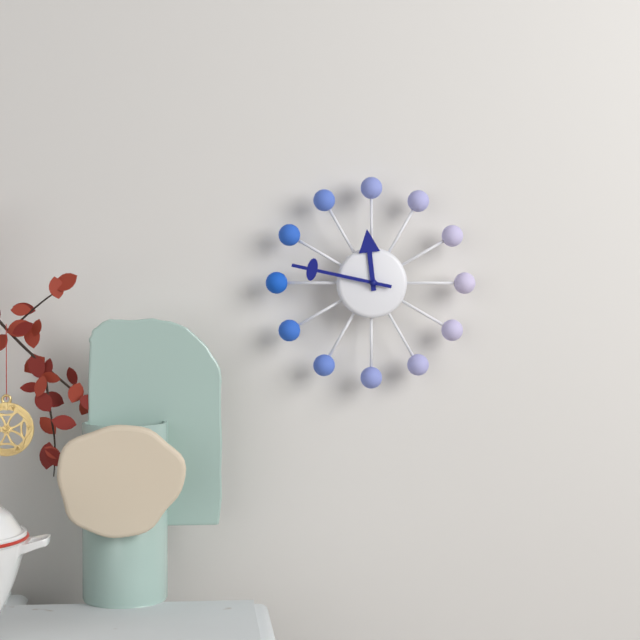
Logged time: **11:47**
